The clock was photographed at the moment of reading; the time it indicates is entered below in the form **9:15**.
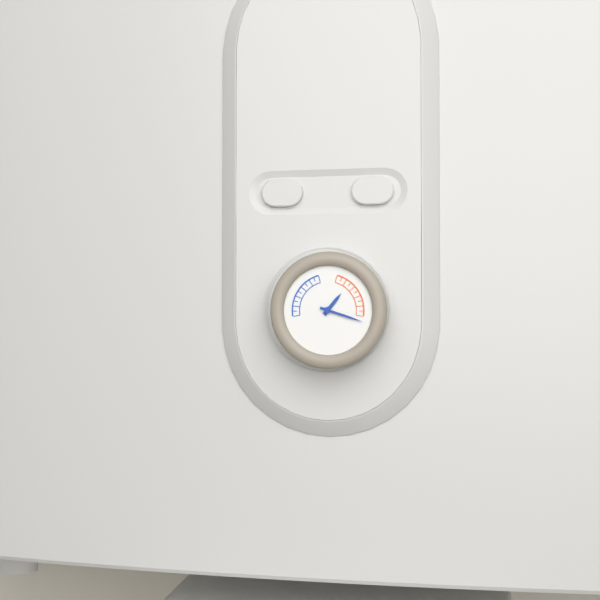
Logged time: **1:18**
